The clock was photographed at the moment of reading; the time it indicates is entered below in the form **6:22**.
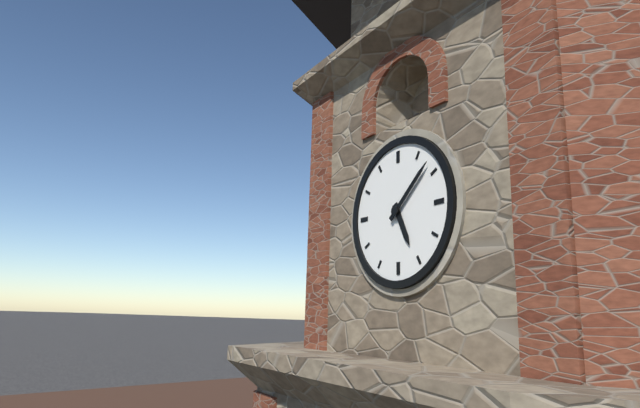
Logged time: **5:08**
